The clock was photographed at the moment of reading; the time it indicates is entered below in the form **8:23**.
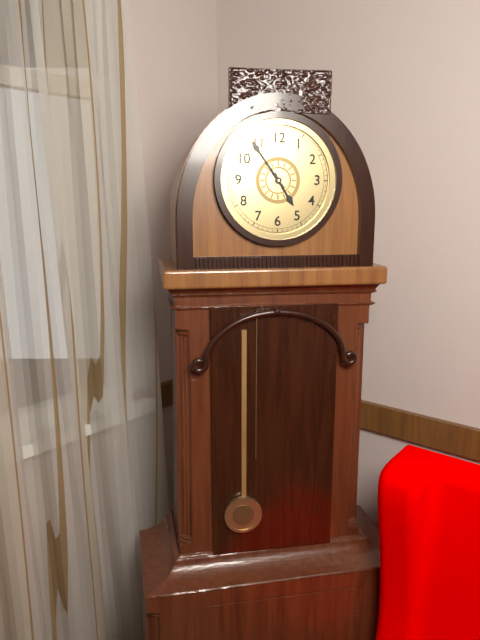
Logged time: **4:54**
